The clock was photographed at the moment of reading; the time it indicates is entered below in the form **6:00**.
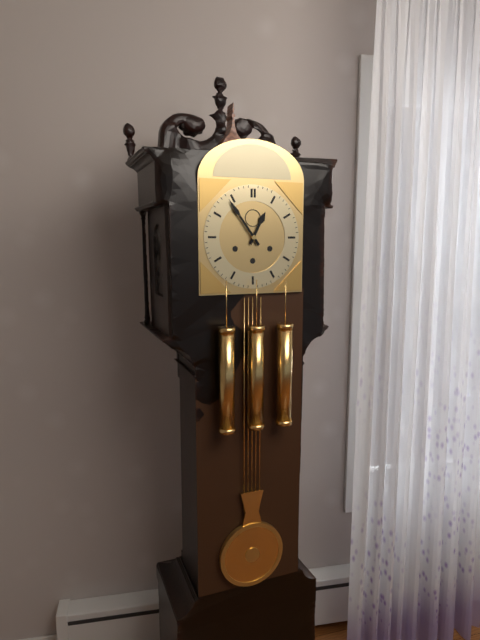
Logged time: **12:54**
